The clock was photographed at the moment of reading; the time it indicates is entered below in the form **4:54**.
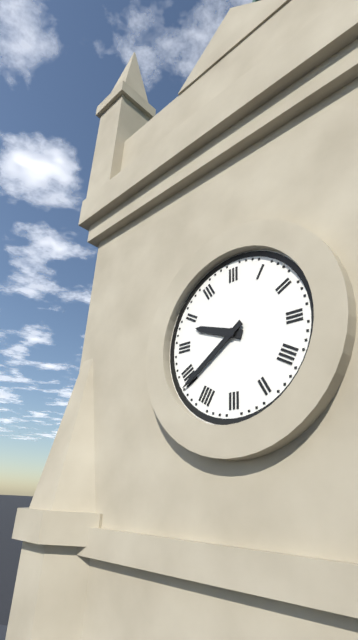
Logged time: **9:39**
